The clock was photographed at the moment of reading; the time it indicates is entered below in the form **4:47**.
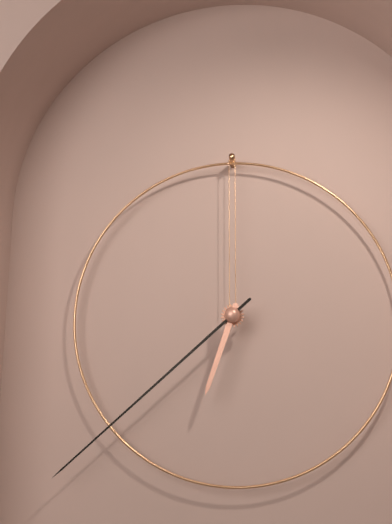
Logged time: **6:38**
